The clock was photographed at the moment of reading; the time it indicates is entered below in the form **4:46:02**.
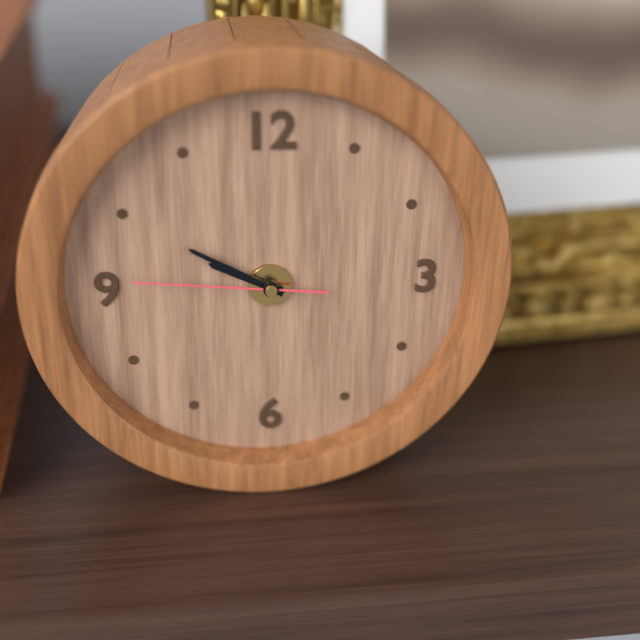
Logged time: **9:50:46**
